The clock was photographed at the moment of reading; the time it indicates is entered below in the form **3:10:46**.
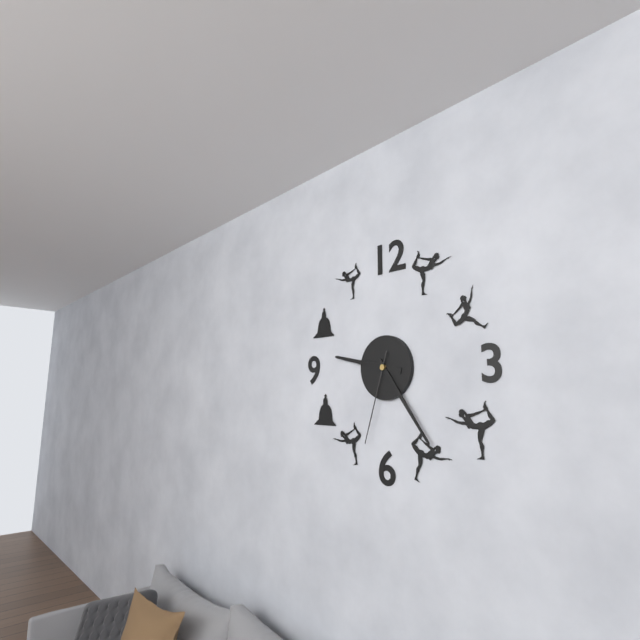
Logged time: **9:24:33**
